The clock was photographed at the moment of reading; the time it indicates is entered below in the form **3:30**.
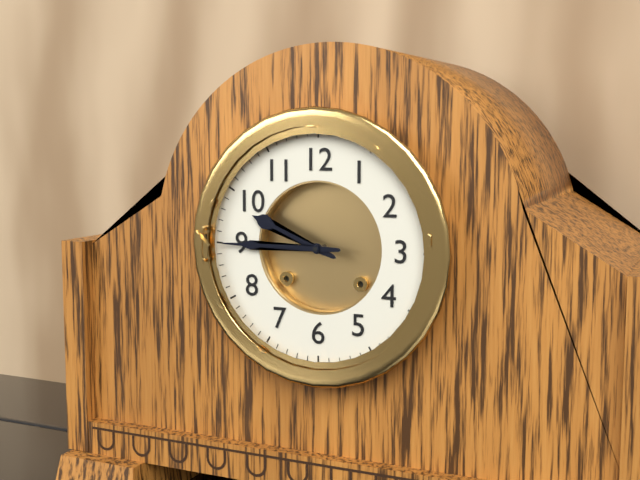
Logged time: **9:45**
